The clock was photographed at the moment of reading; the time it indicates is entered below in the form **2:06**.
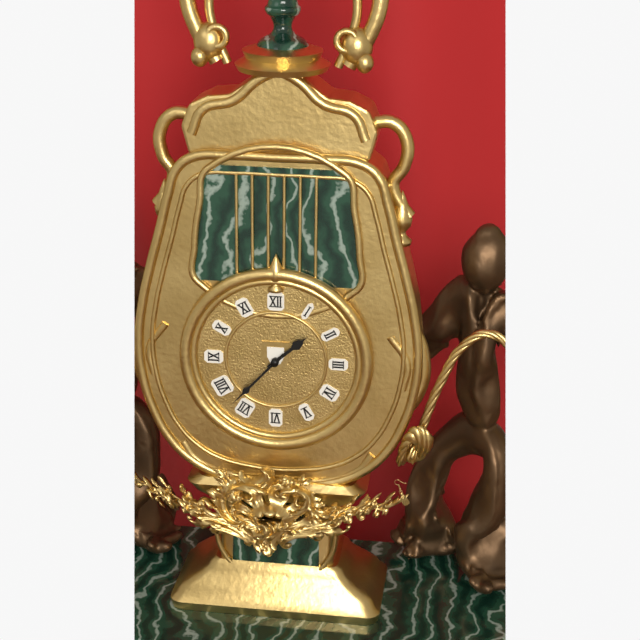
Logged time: **1:37**
